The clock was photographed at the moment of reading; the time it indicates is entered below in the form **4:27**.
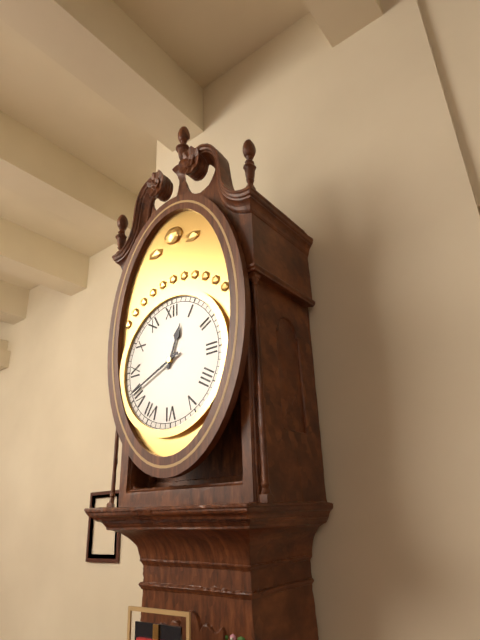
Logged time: **12:41**
